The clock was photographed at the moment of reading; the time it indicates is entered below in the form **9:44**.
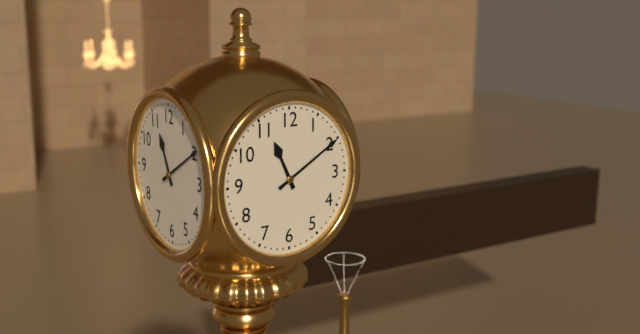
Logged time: **11:10**
